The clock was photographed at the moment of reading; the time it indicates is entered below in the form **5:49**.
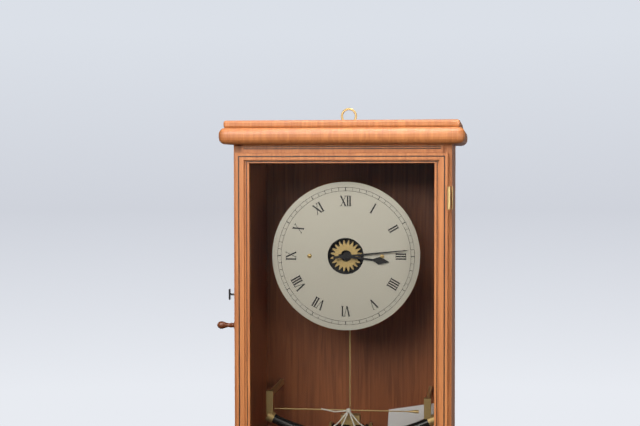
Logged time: **3:14**
